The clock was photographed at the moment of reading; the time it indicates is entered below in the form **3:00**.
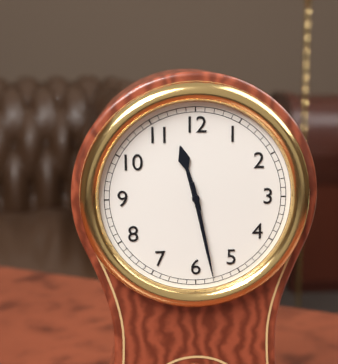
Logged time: **11:28**
